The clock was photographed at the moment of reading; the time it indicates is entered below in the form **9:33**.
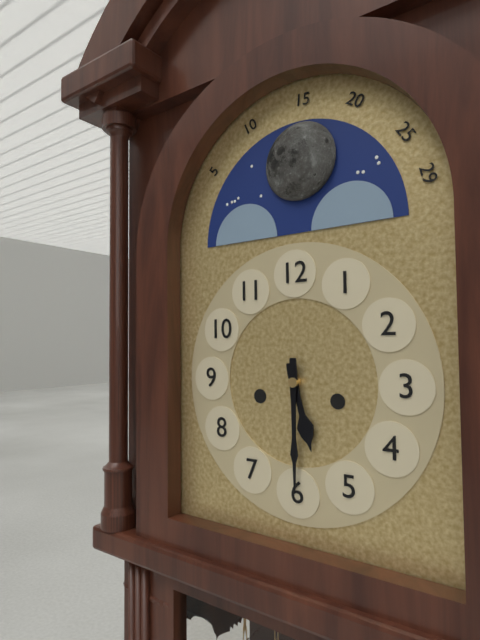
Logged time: **5:30**
